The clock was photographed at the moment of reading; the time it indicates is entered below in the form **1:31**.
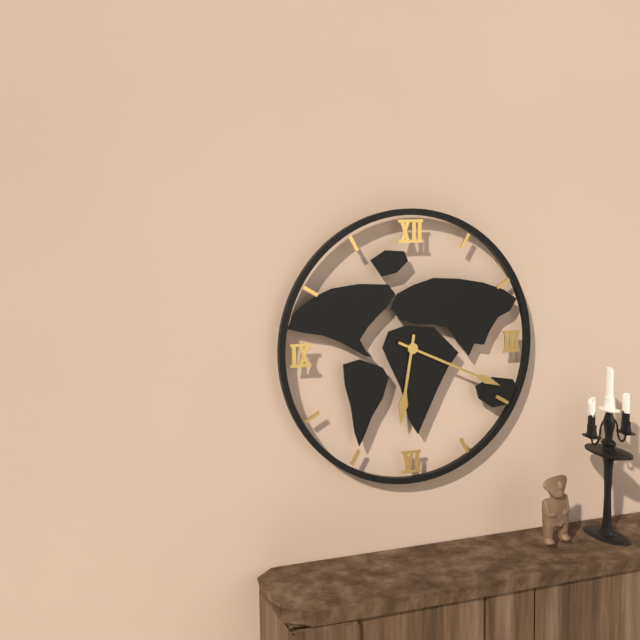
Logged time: **6:19**
